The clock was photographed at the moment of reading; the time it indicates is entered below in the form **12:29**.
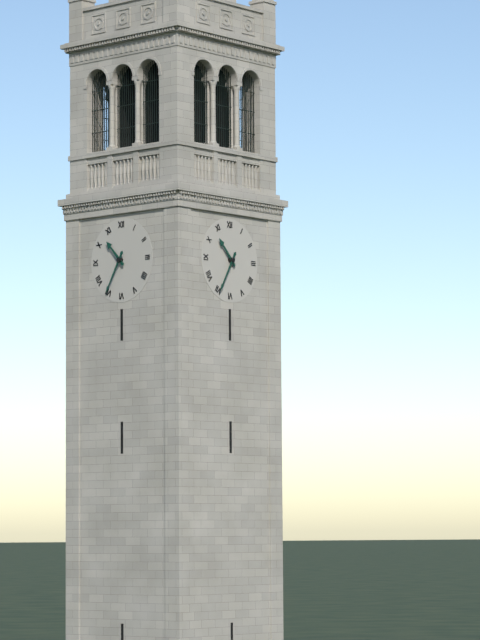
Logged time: **10:35**
